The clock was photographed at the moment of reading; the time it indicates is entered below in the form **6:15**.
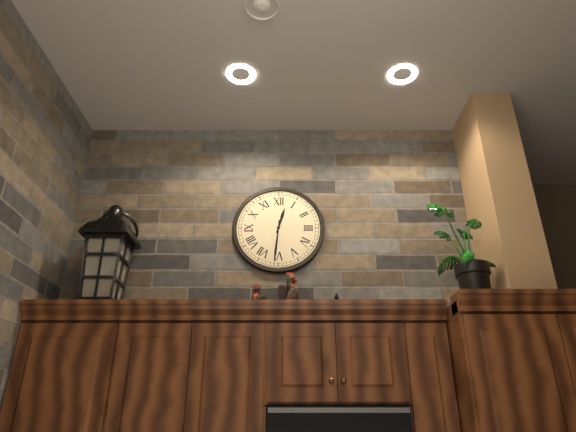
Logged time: **12:31**
